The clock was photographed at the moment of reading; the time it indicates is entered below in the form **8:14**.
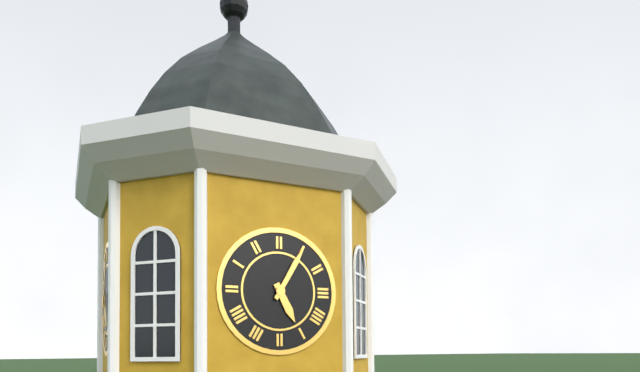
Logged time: **5:05**
